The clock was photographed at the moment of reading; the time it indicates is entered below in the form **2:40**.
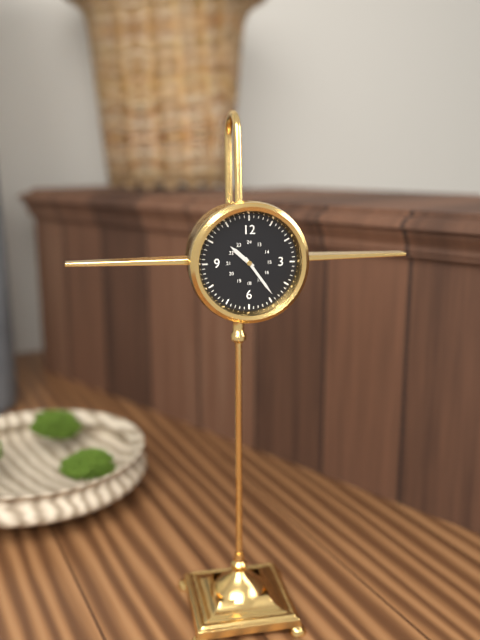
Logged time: **10:24**
